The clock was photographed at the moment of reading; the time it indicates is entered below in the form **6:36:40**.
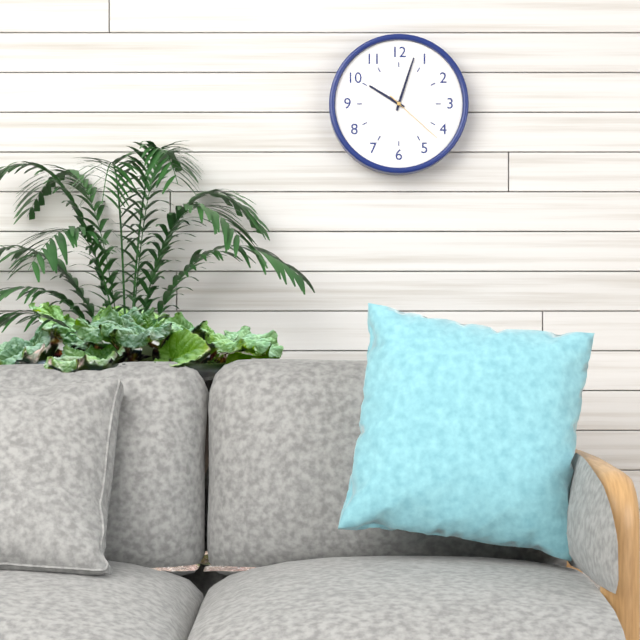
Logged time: **10:03:22**
